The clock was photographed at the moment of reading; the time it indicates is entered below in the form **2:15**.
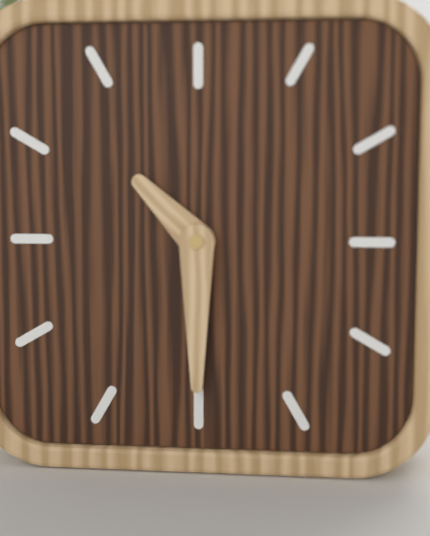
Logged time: **10:30**
